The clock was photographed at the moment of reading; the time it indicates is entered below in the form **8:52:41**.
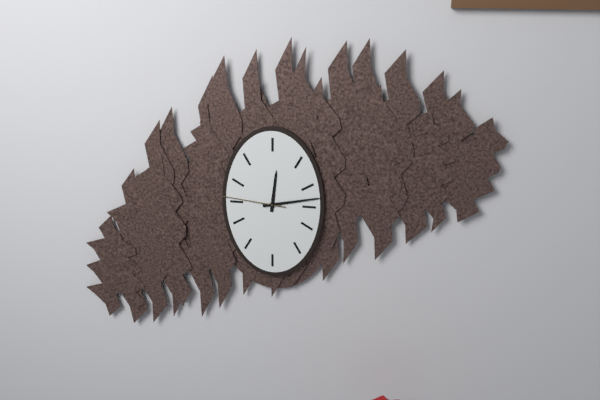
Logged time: **12:13:46**
